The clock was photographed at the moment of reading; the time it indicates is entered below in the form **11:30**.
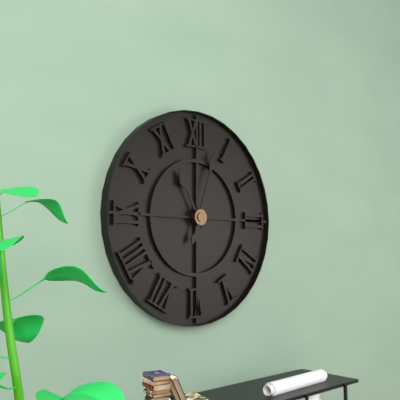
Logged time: **11:03**
